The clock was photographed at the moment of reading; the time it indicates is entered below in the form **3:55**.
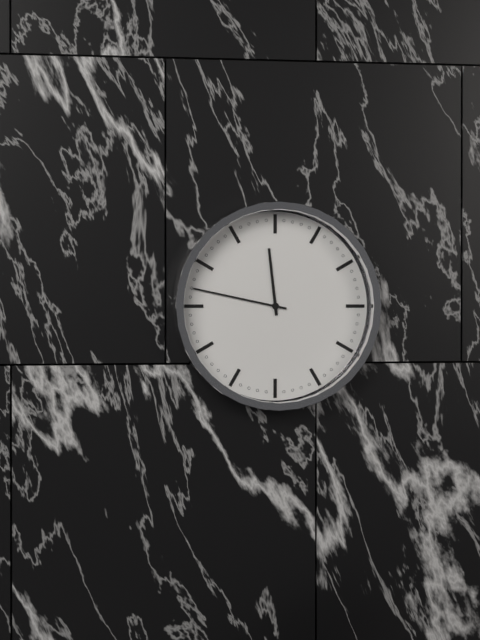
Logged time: **11:47**
